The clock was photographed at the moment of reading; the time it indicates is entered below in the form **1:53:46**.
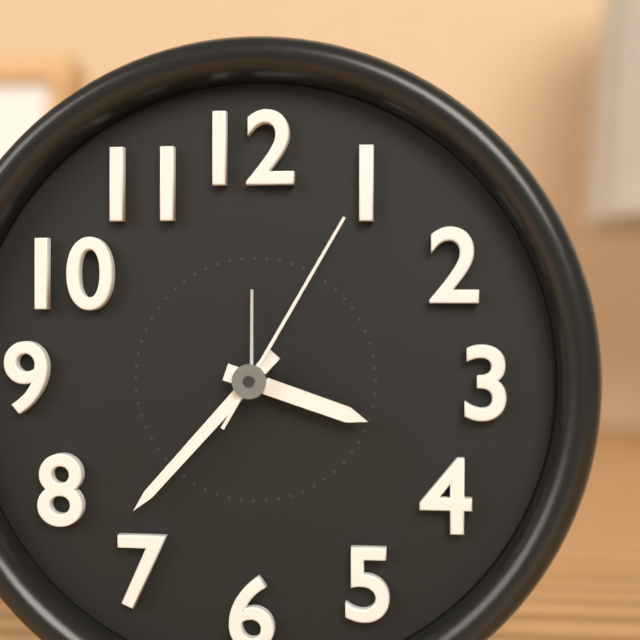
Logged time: **3:37:05**
